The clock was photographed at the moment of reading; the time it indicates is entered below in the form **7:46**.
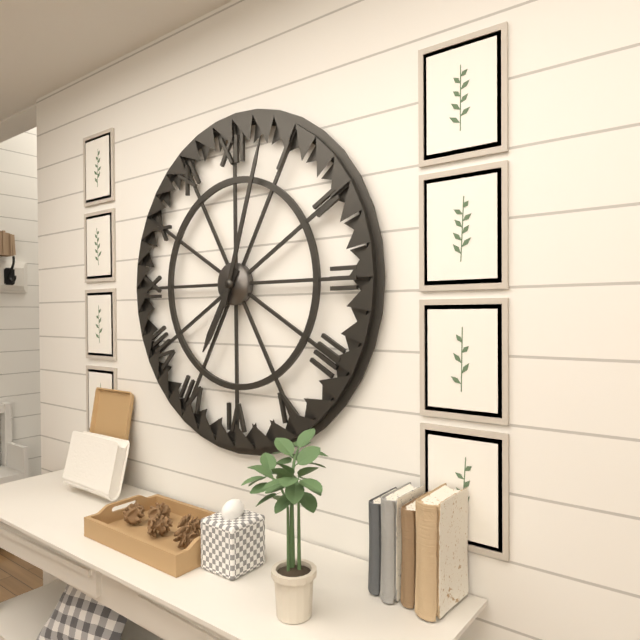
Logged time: **7:03**
